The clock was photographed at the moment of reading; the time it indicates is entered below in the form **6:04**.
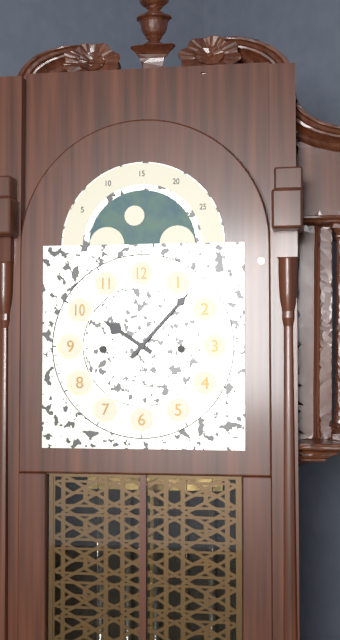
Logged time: **10:07**
